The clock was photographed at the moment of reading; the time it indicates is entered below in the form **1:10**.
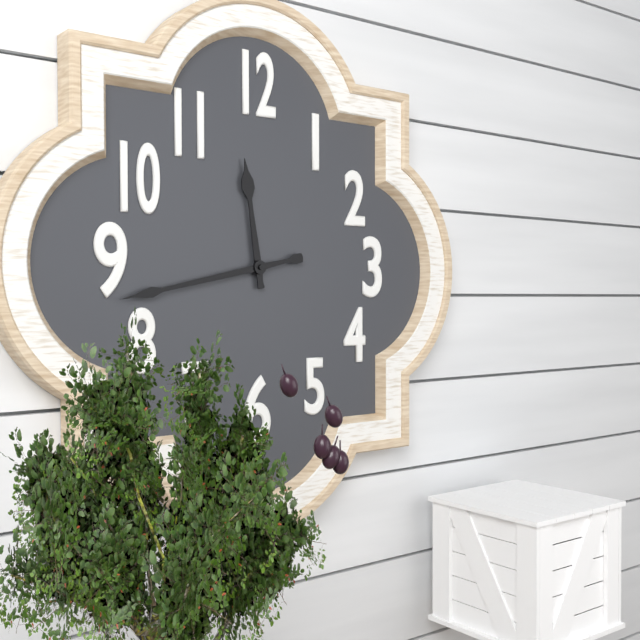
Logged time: **11:43**
